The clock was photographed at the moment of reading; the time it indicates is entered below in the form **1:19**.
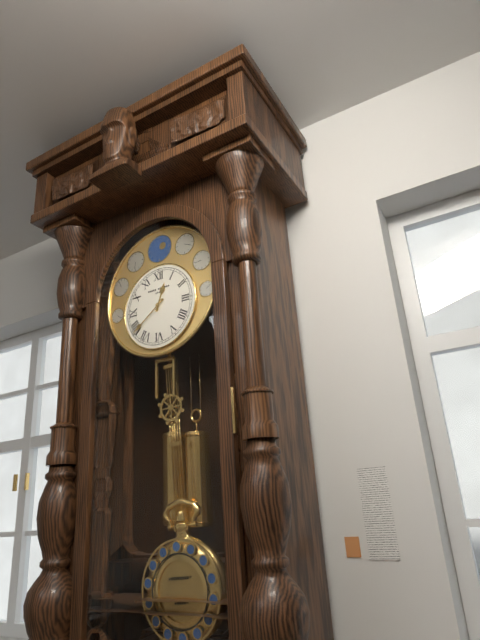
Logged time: **12:39**
